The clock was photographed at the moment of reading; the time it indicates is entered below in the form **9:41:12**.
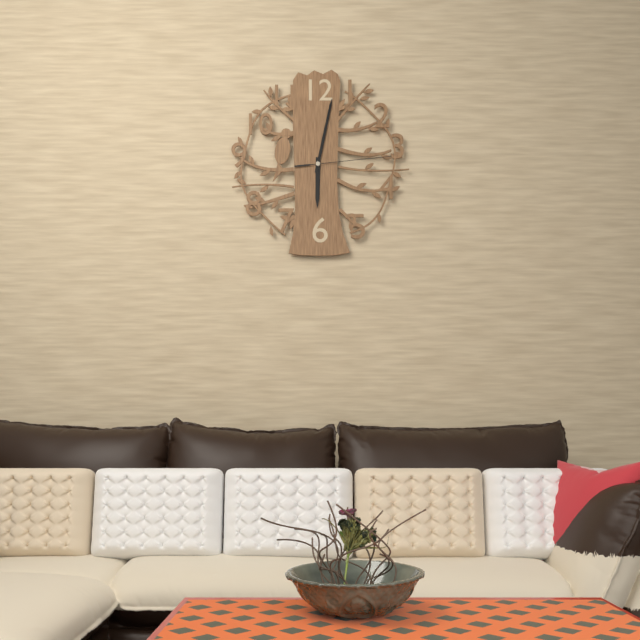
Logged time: **6:02:14**
